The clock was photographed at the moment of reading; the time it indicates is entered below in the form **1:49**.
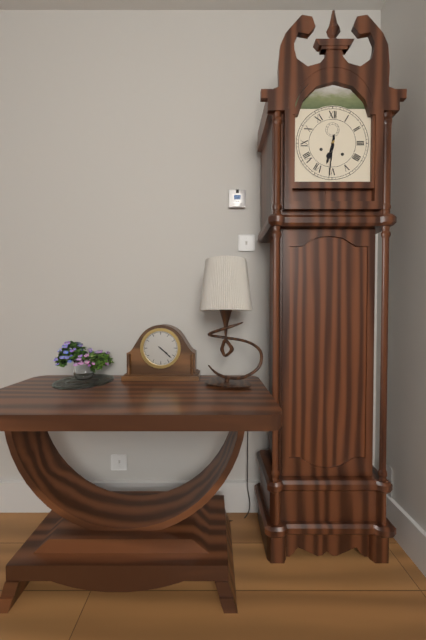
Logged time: **6:31**
